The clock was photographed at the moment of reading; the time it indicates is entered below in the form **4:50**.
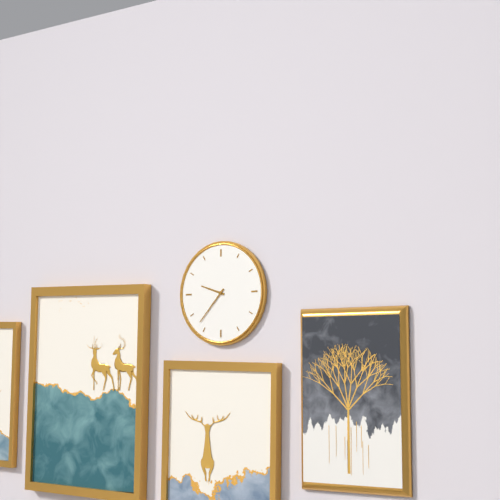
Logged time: **9:37**
